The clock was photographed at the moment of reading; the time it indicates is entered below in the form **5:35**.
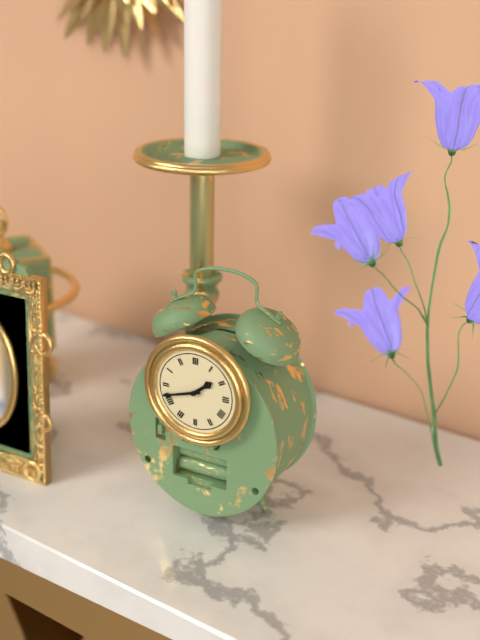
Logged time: **1:42**
